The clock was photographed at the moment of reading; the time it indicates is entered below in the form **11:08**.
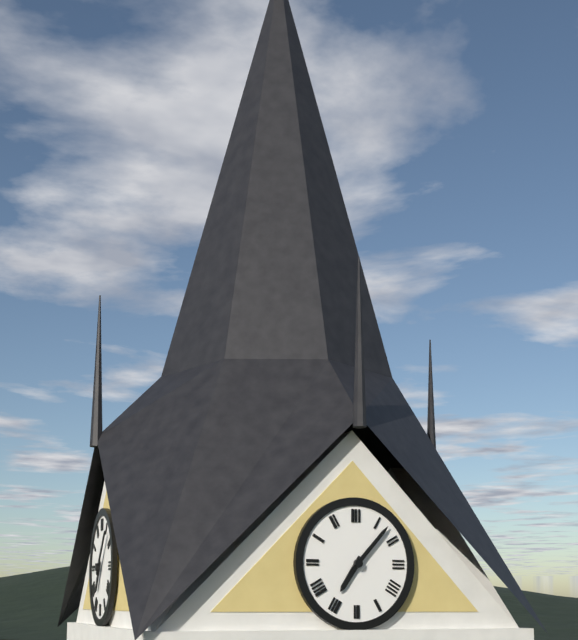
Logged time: **7:07**
